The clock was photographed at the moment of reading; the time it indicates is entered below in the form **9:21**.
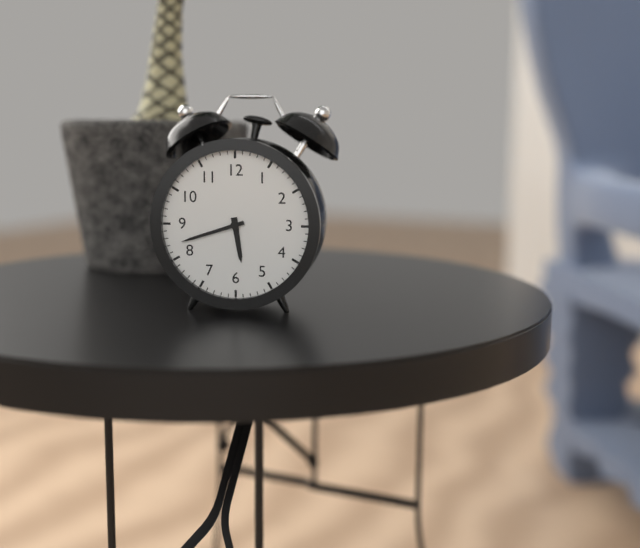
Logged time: **5:42**
